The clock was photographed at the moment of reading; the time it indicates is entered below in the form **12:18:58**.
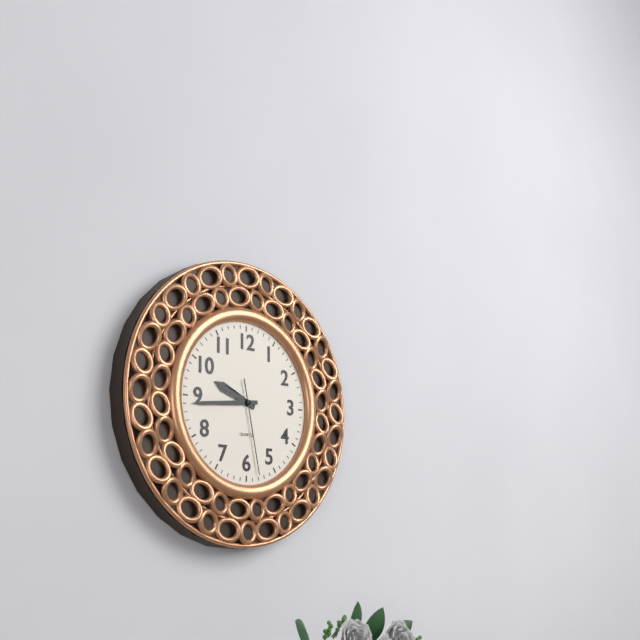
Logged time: **9:44:28**
